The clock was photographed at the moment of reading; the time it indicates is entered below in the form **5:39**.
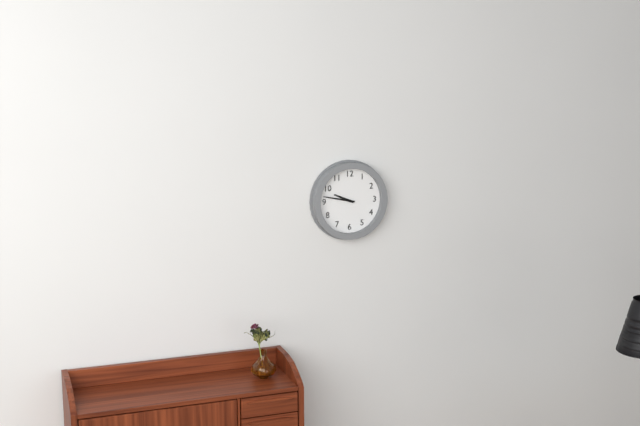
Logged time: **9:47**
